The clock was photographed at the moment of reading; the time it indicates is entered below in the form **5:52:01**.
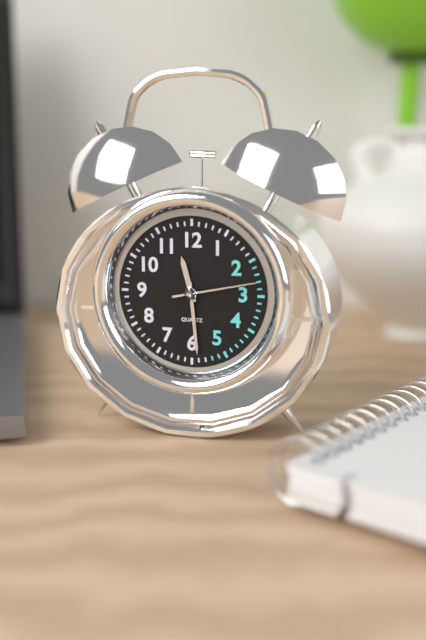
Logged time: **11:29:13**
